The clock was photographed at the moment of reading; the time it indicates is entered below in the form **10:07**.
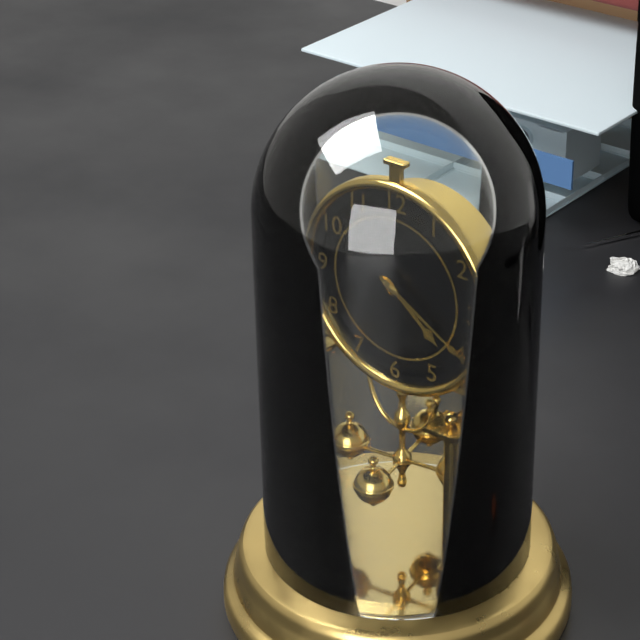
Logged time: **4:20**
